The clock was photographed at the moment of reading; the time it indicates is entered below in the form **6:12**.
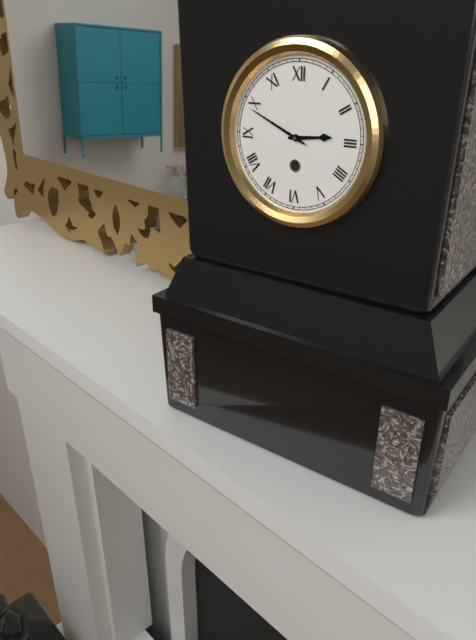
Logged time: **2:49**
